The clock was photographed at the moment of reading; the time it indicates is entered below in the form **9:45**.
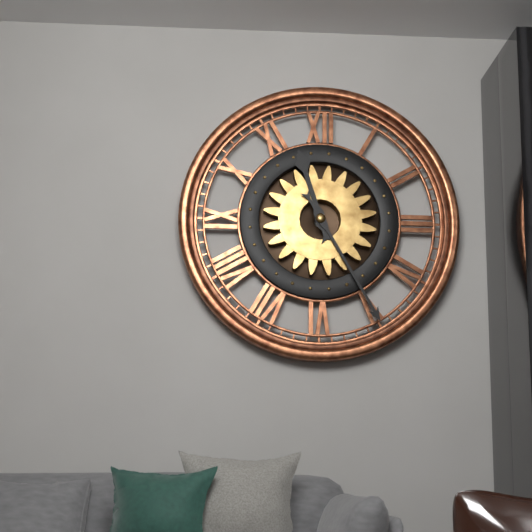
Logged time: **11:25**
